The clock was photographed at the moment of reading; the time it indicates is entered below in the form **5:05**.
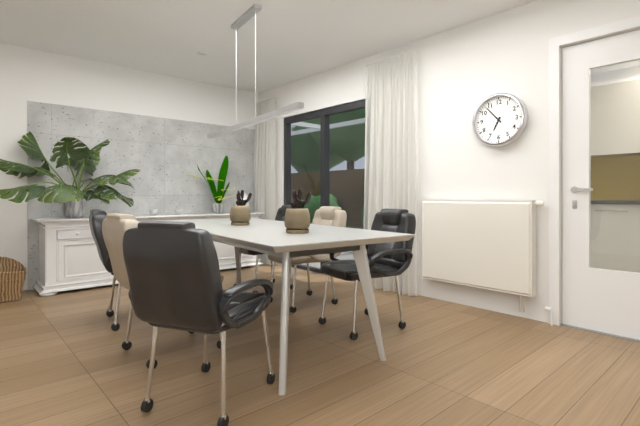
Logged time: **6:53**
